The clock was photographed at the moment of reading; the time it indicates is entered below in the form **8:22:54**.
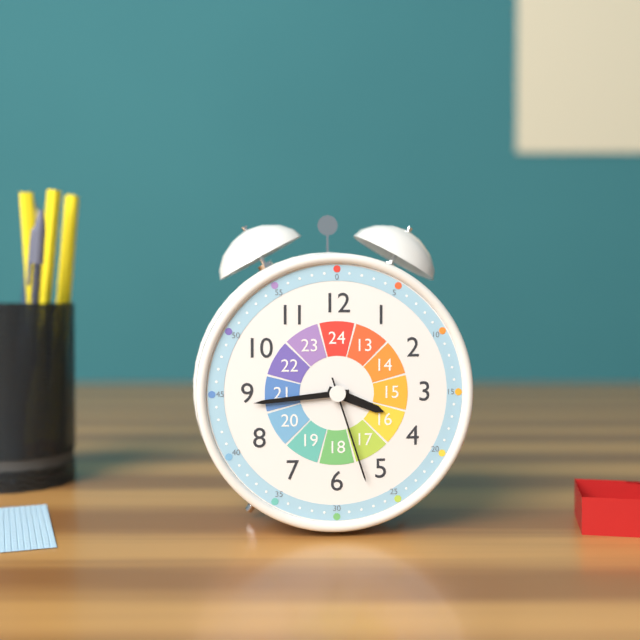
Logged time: **3:44:27**
